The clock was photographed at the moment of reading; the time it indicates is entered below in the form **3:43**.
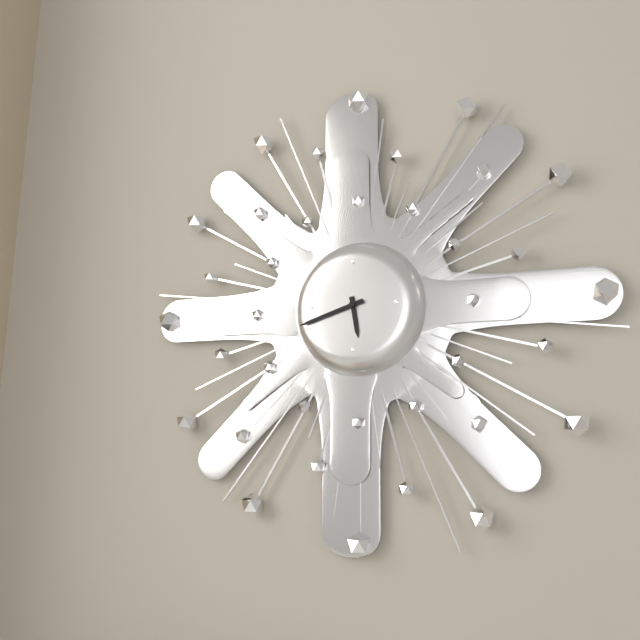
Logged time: **5:42**
